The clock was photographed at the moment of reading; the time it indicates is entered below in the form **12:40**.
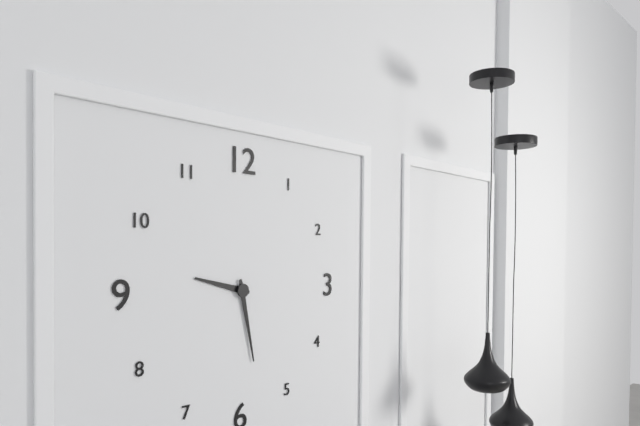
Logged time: **9:28**
